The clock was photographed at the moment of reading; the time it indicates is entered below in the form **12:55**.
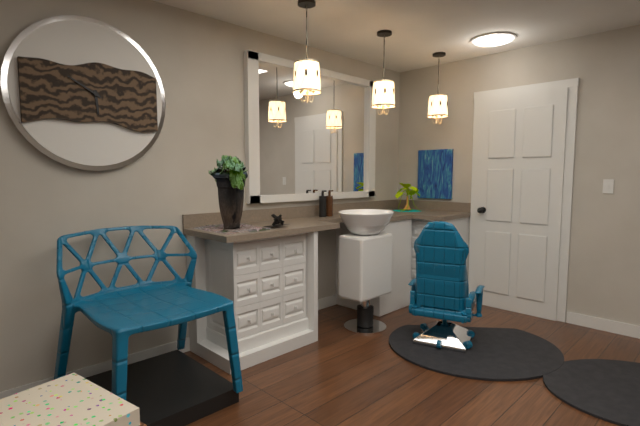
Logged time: **5:50**
